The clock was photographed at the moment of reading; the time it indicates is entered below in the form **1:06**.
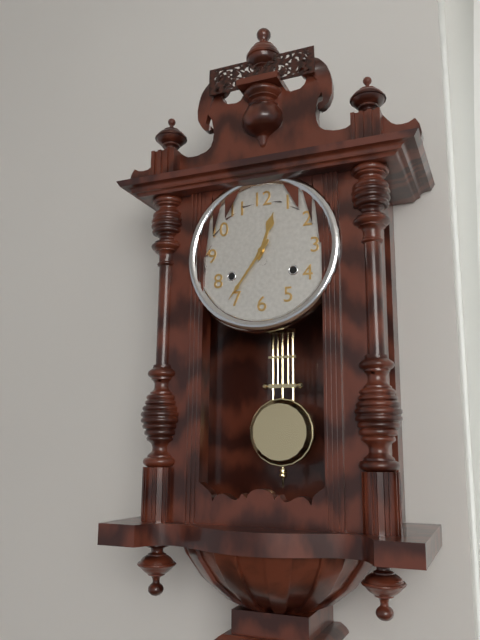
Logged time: **12:36**
